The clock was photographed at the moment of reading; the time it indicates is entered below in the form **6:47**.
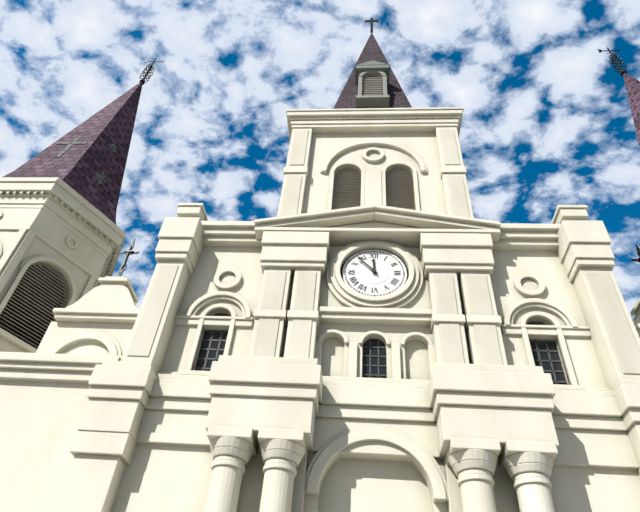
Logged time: **11:53**
